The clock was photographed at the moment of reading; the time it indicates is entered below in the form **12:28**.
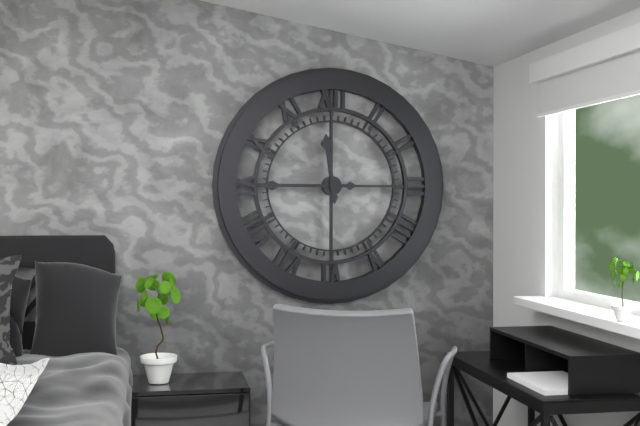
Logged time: **11:45**
